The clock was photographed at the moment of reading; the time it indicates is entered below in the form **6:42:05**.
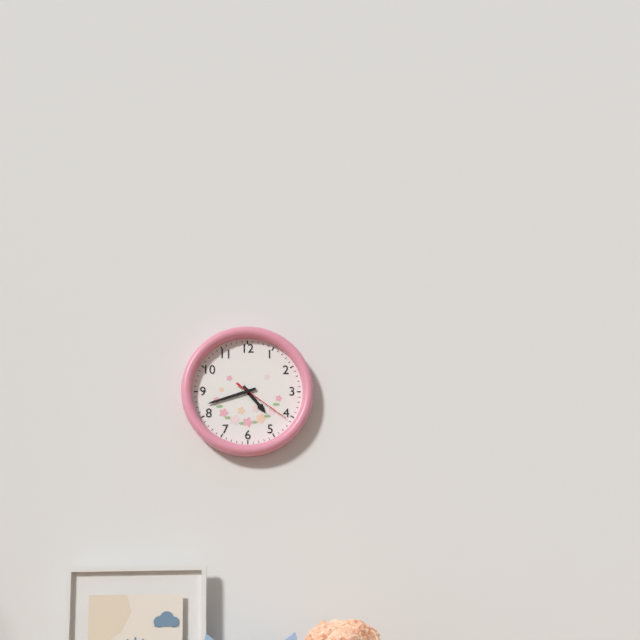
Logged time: **4:42:21**
